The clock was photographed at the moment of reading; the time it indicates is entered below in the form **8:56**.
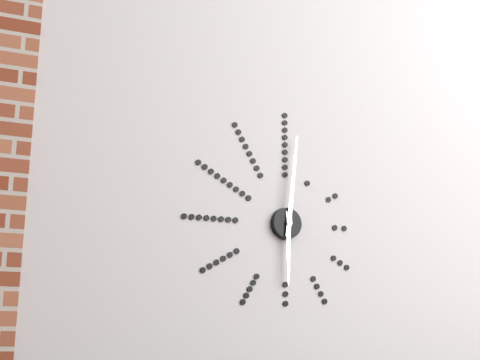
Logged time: **6:01**
